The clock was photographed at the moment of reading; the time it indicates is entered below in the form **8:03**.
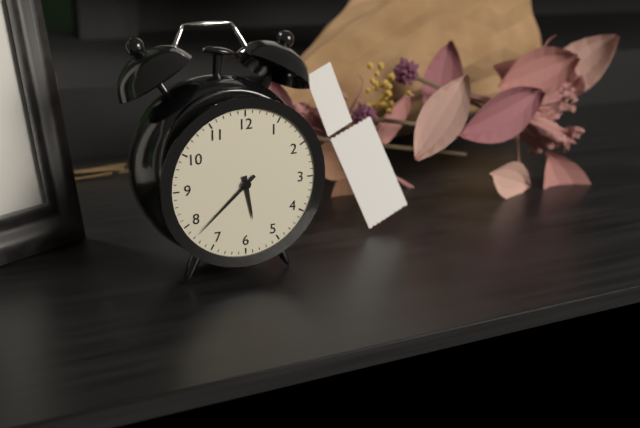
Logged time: **5:38**
